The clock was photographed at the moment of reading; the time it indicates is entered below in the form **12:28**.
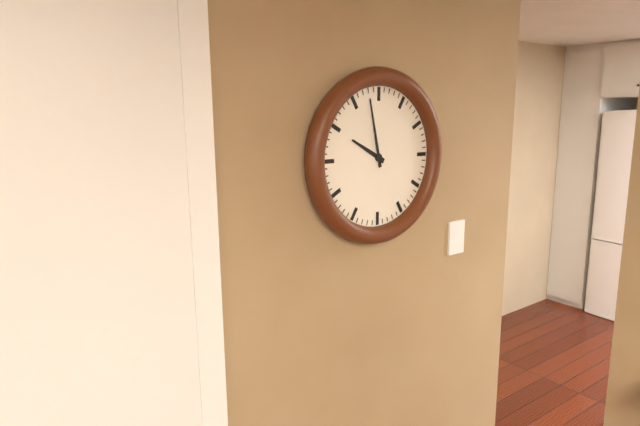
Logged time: **9:58**
